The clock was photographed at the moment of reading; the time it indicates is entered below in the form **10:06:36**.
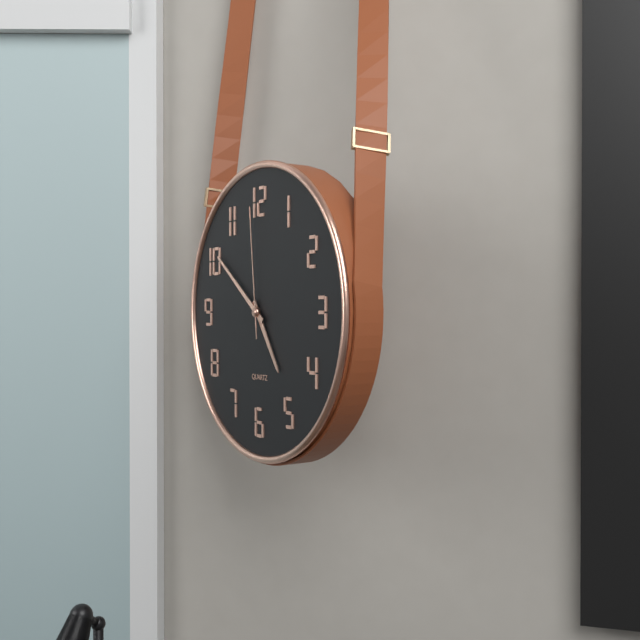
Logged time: **4:51:59**
